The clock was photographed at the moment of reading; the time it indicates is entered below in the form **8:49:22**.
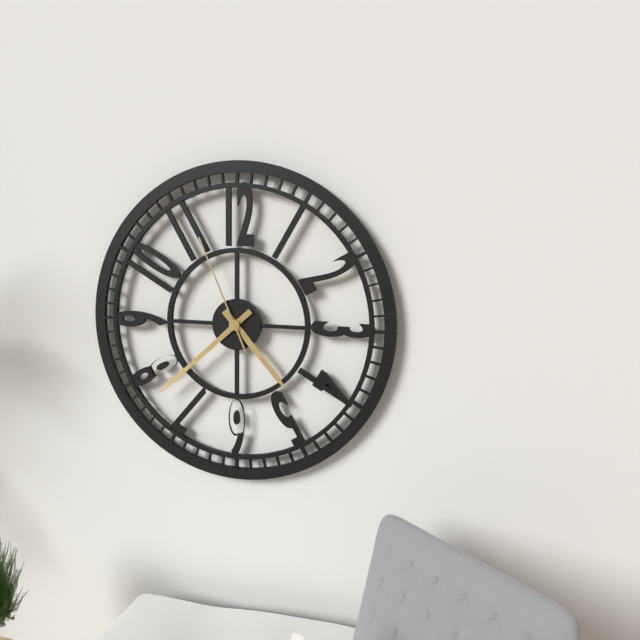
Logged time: **4:38:56**
